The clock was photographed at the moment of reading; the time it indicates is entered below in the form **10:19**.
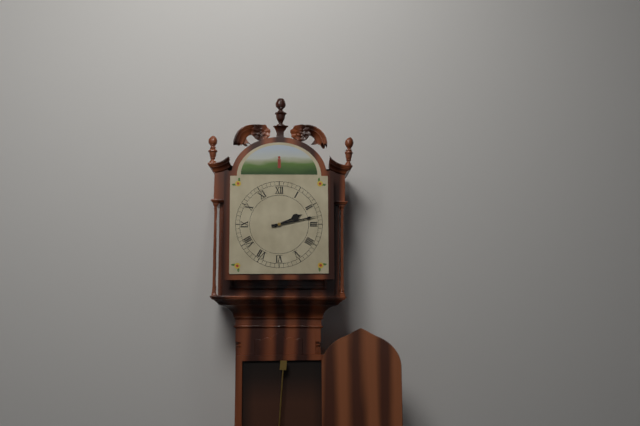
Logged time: **2:13**
